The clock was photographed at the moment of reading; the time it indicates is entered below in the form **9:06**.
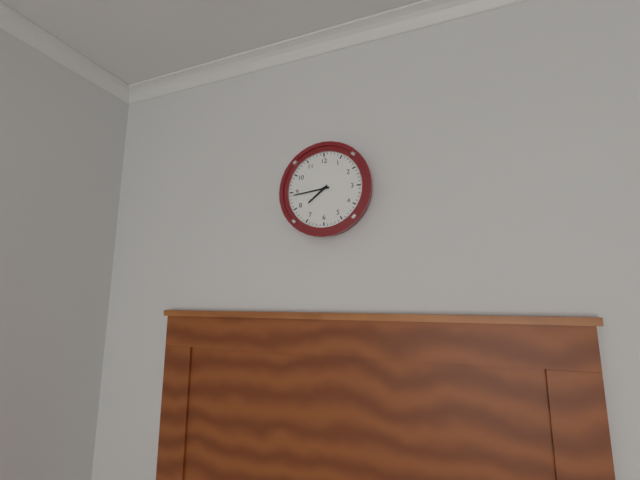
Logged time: **7:44**
